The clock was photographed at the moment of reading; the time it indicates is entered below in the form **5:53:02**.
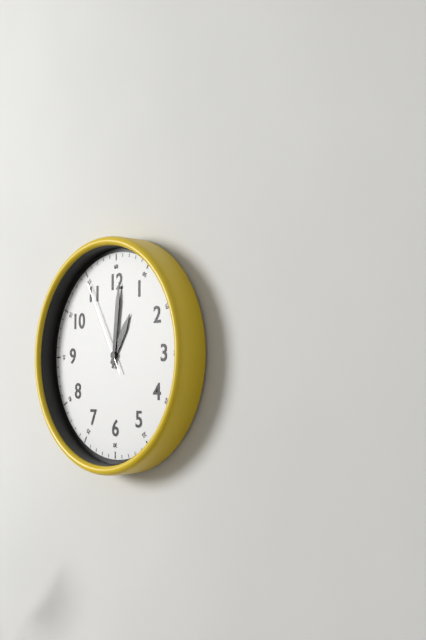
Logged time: **1:01:55**
